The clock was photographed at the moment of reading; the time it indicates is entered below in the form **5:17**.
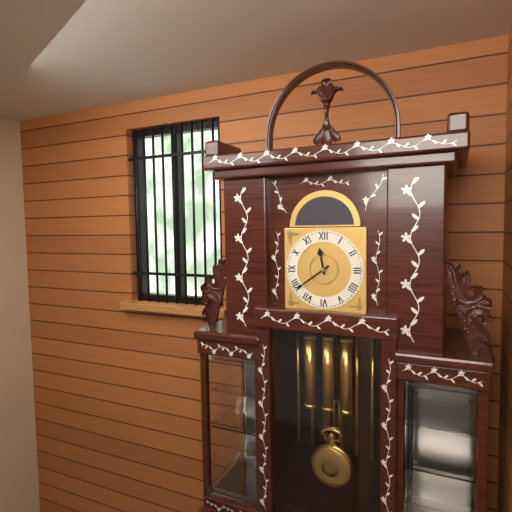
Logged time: **11:39**
